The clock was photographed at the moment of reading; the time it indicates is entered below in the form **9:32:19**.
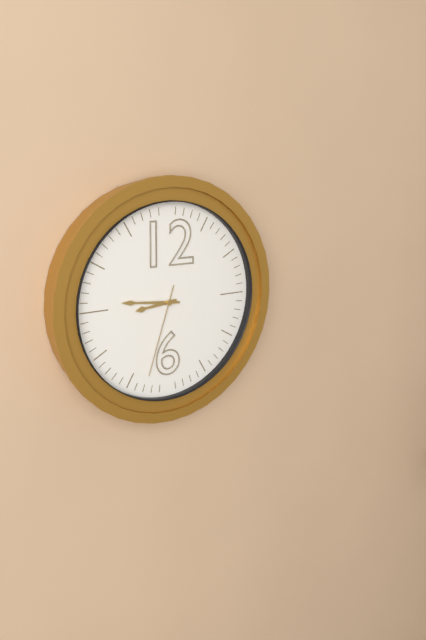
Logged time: **8:46:33**
